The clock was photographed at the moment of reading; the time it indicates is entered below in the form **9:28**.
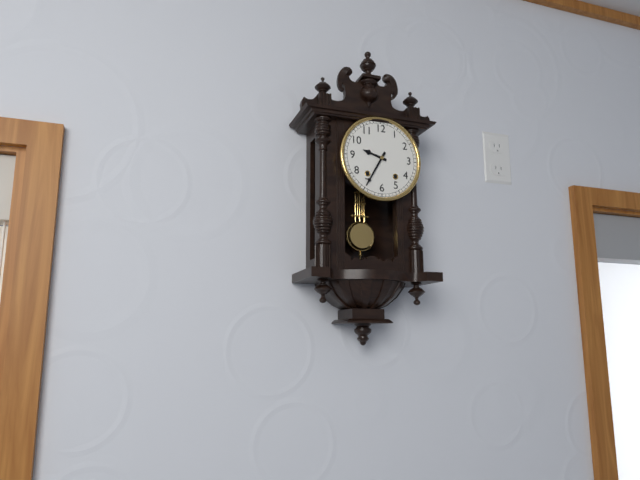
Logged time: **9:35**
